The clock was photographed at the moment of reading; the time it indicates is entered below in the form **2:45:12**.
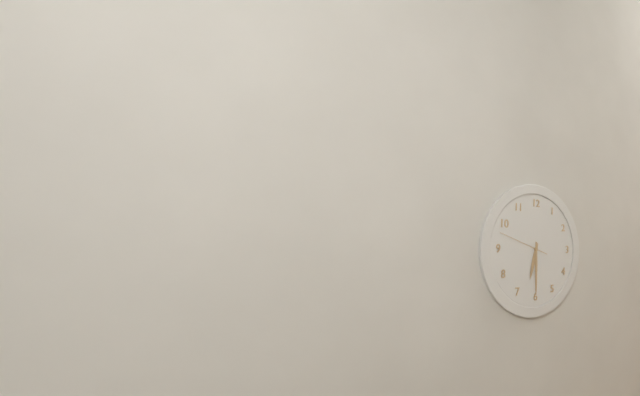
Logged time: **6:30:48**
